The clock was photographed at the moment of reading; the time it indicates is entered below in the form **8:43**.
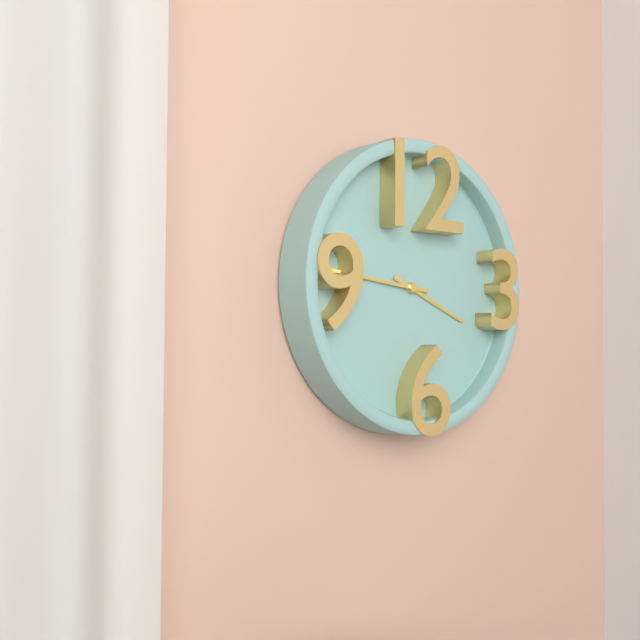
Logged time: **3:46**
